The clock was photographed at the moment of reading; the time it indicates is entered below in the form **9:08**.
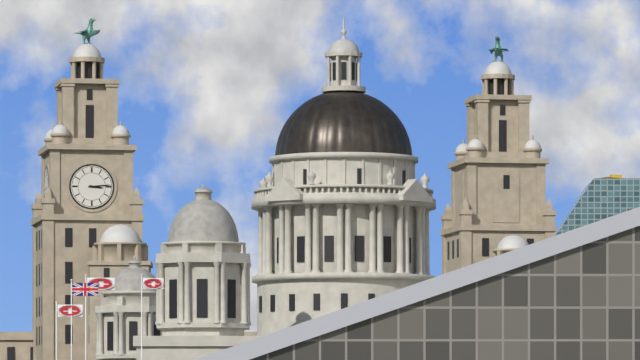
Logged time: **3:14**
